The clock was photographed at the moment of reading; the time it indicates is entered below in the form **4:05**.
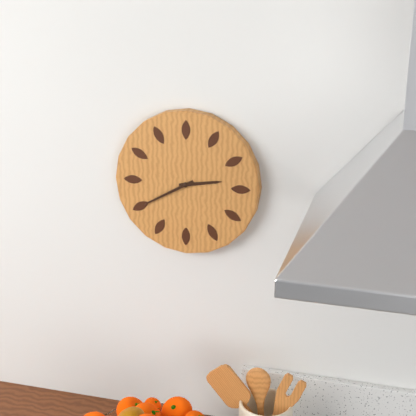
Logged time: **2:40**
